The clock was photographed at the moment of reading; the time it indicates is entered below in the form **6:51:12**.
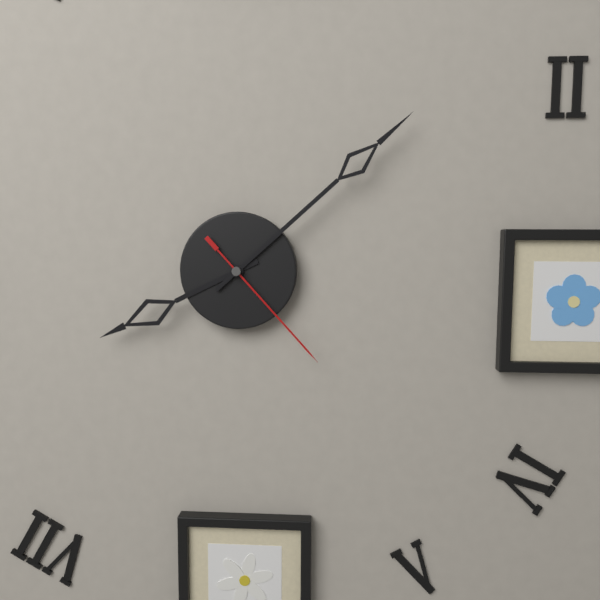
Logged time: **8:08:23**
